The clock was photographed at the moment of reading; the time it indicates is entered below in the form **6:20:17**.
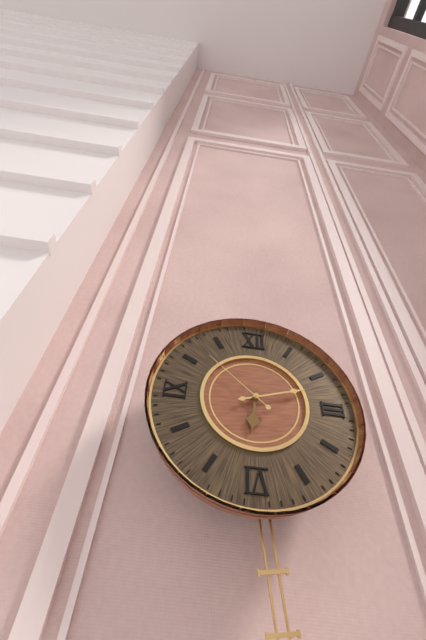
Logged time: **6:12:52**
